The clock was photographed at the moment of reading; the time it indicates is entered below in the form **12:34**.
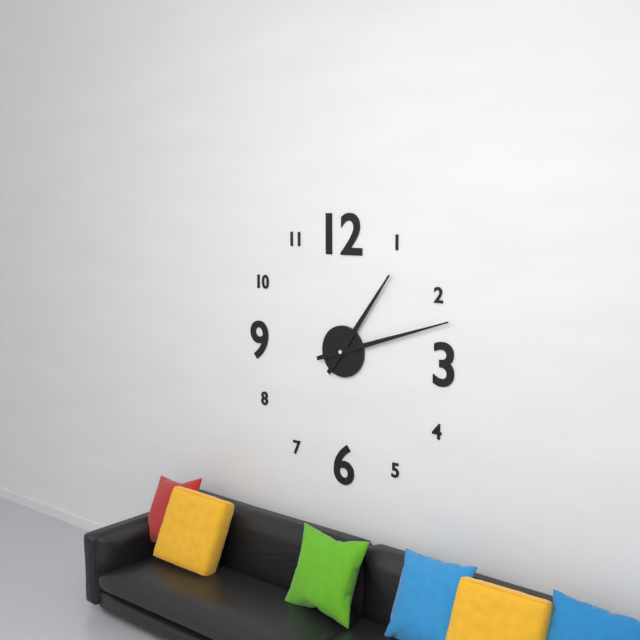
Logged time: **1:12**
